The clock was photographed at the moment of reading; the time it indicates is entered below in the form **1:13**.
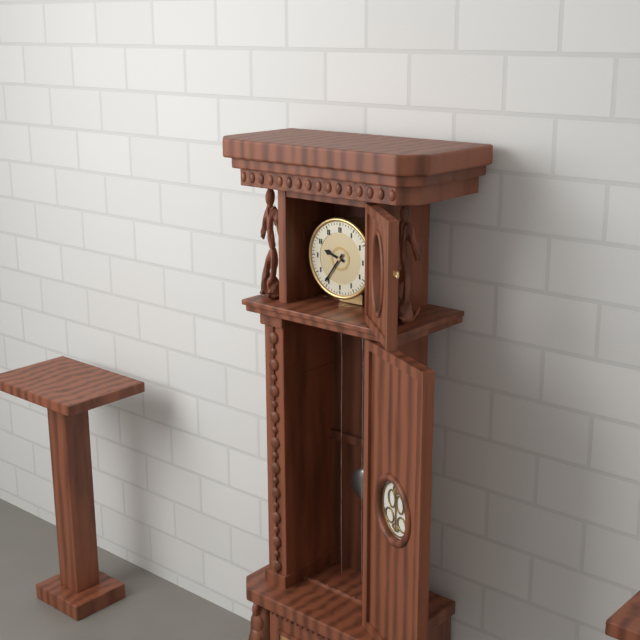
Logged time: **9:36**
